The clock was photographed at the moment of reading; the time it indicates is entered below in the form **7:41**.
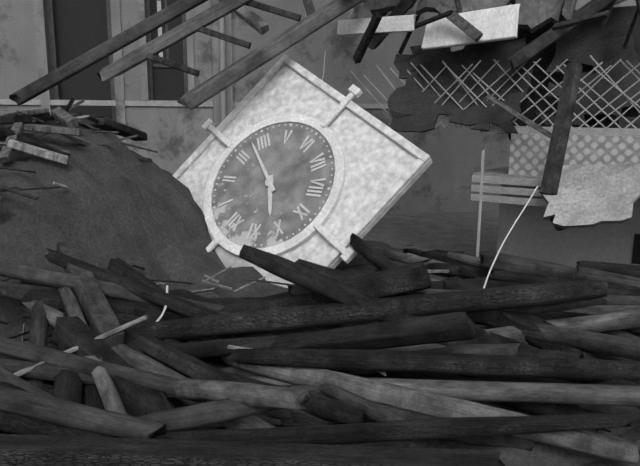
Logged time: **10:18**
